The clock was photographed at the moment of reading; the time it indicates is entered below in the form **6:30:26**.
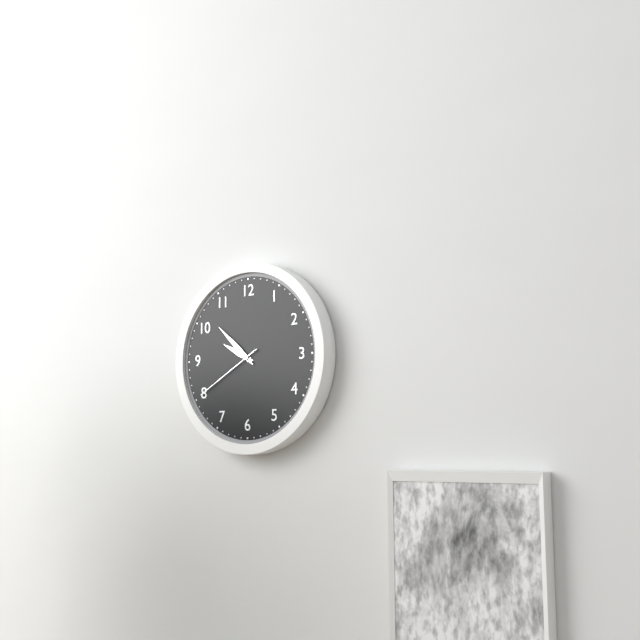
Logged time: **9:52:40**
